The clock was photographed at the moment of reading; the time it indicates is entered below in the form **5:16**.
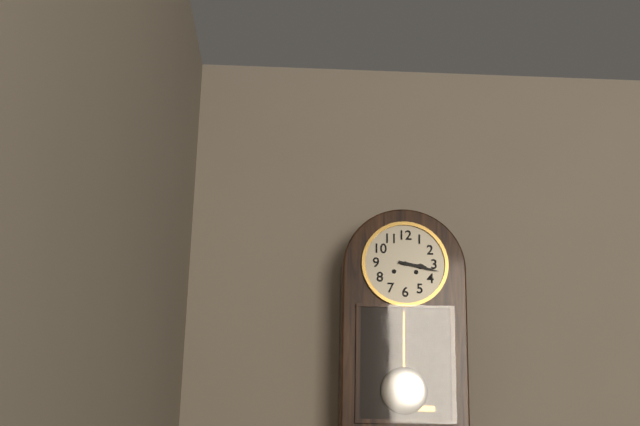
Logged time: **3:17**
